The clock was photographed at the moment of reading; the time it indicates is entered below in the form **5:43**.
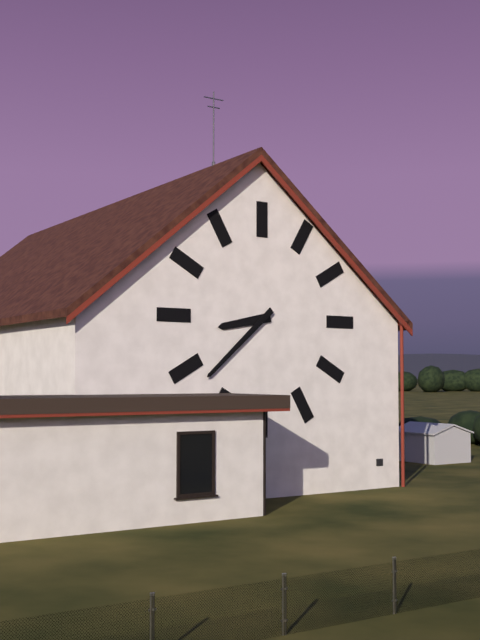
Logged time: **8:38**
